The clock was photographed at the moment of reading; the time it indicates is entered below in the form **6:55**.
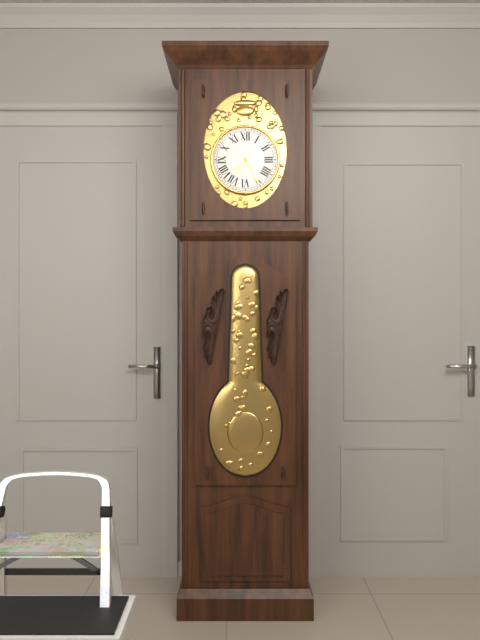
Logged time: **7:25**
